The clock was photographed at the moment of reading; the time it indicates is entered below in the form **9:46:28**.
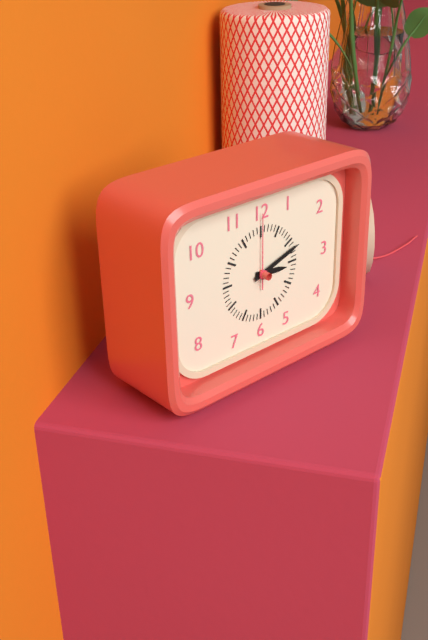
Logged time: **3:12:00**
